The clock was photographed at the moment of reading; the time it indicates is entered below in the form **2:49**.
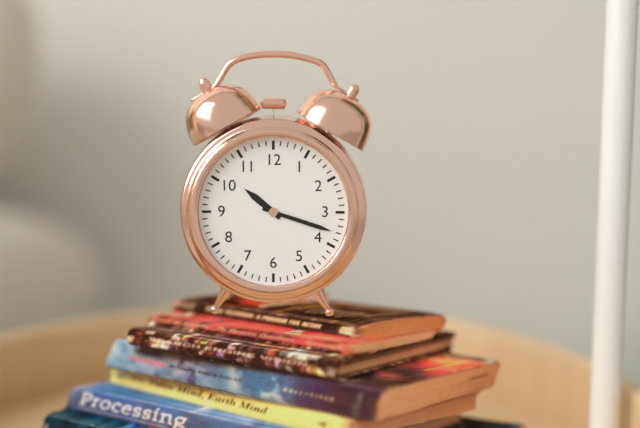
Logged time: **10:18**
